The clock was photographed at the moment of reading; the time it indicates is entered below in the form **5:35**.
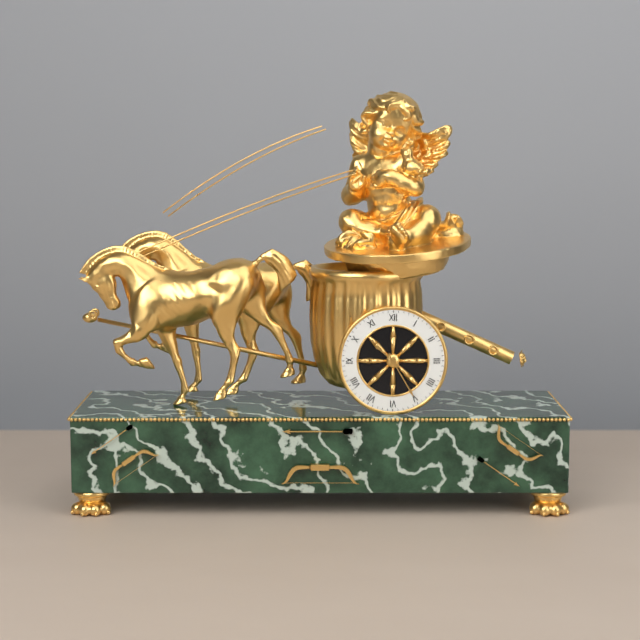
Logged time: **10:25**
